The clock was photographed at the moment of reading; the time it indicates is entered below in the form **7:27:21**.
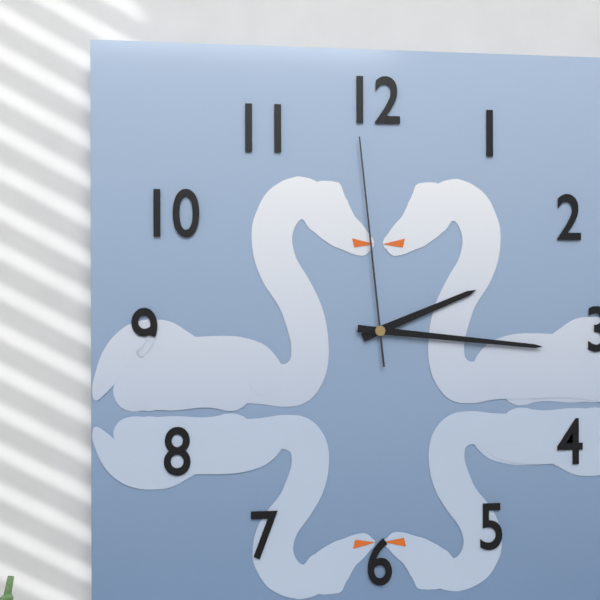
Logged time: **2:16:59**
